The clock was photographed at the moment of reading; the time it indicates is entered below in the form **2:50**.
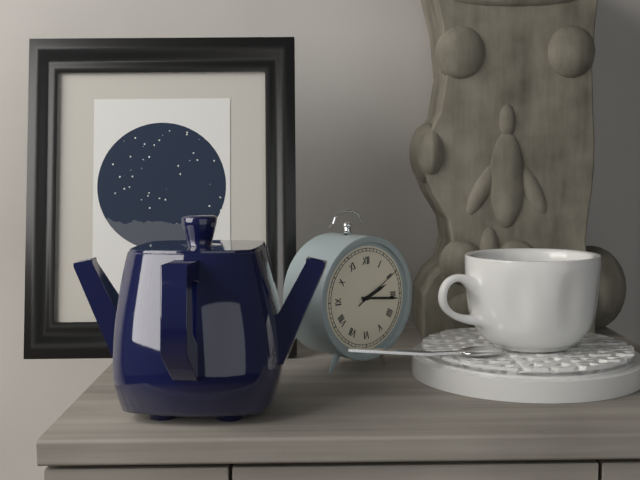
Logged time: **2:16**
